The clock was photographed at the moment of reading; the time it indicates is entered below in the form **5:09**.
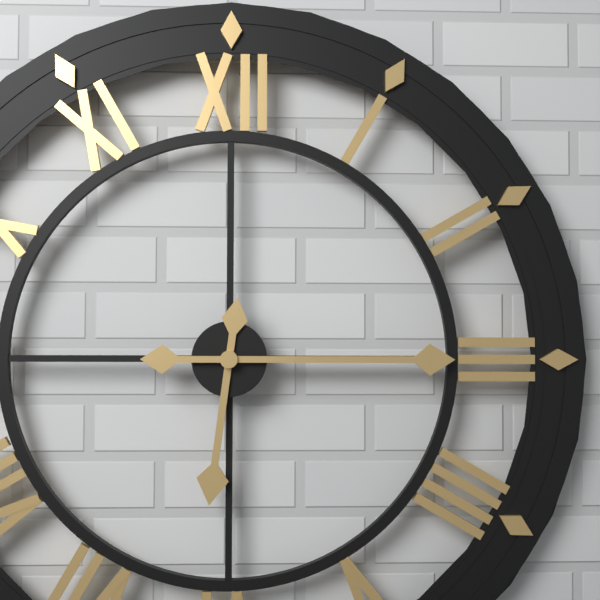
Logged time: **6:15**
